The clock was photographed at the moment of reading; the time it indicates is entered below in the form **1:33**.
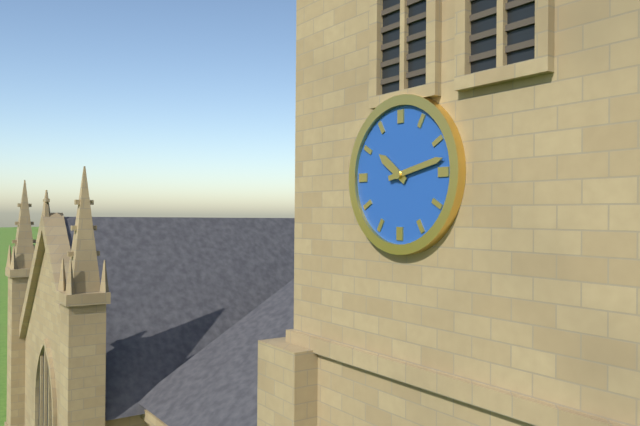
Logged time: **10:13**
